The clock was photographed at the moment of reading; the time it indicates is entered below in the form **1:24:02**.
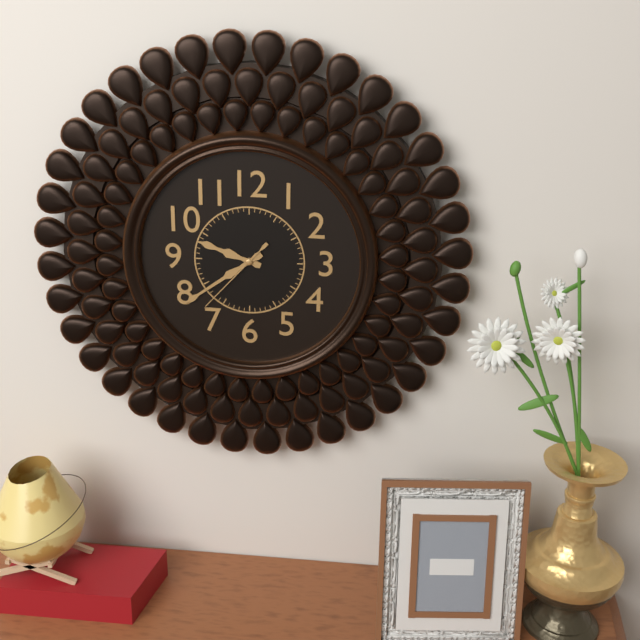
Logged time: **9:39:37**
